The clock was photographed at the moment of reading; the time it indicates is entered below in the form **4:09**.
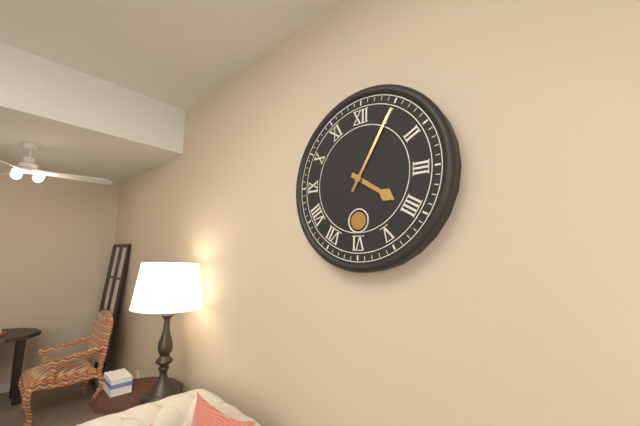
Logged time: **4:05**
